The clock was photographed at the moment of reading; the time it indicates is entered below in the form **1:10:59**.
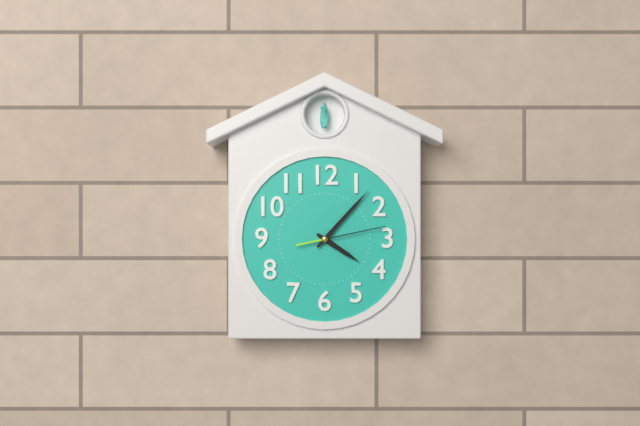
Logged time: **4:07:13**
